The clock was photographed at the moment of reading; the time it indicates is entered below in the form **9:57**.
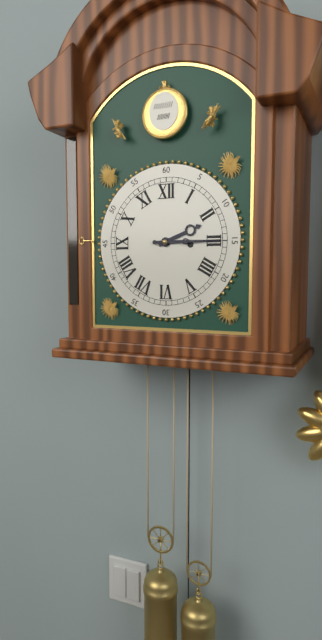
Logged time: **2:15**
